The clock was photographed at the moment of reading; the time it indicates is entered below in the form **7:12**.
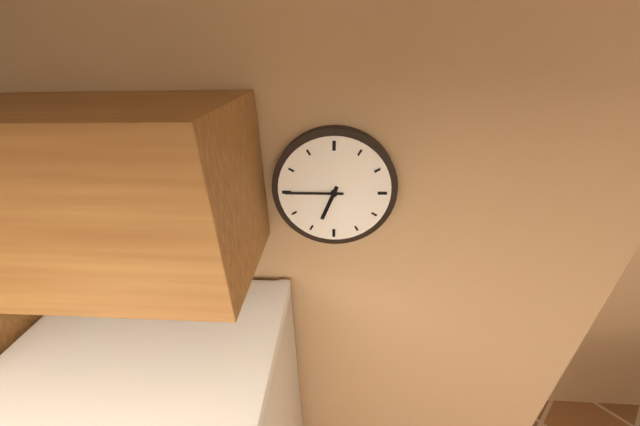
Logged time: **6:45**
